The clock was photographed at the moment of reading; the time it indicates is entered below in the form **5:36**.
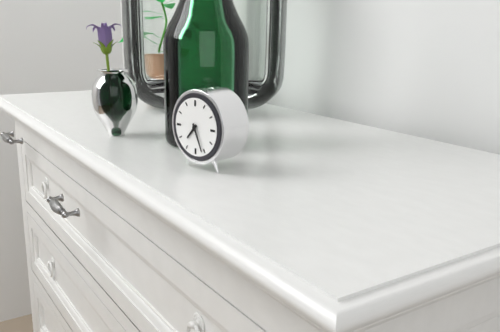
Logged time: **7:26**
